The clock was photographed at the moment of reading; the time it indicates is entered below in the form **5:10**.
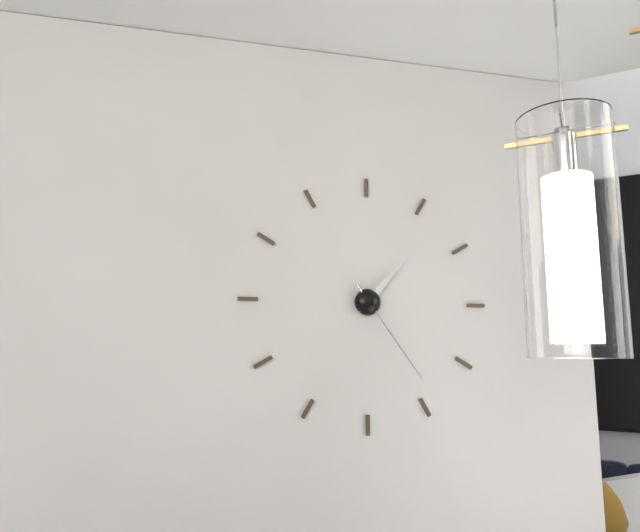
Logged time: **1:24**
